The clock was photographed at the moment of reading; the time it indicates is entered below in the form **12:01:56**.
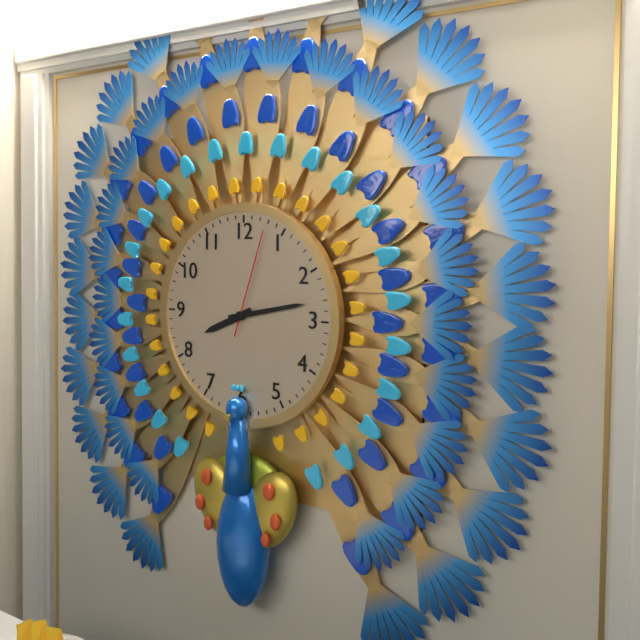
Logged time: **8:13:03**
